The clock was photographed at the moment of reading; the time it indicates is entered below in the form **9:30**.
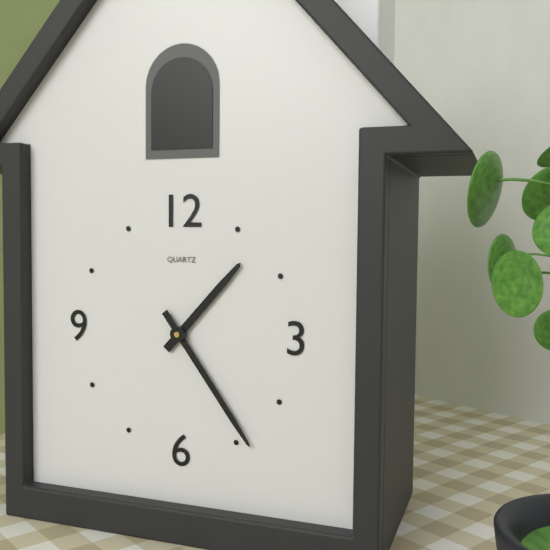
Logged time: **1:24**
